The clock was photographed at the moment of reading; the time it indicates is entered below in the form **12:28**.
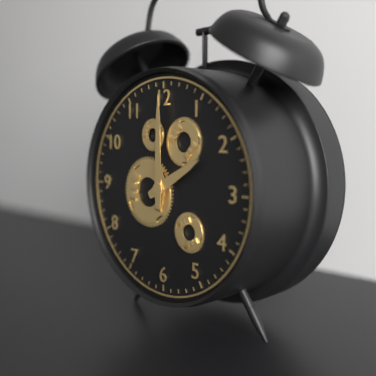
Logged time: **2:00**
